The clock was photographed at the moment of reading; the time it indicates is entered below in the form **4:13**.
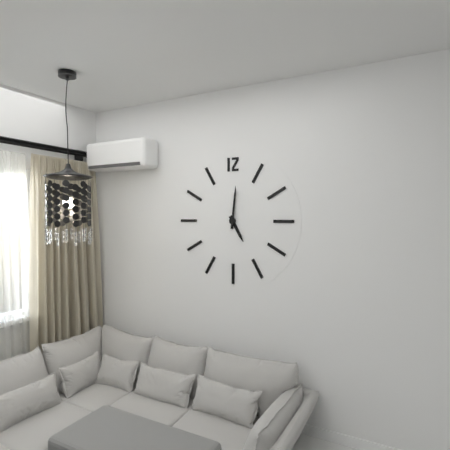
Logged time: **5:01**
